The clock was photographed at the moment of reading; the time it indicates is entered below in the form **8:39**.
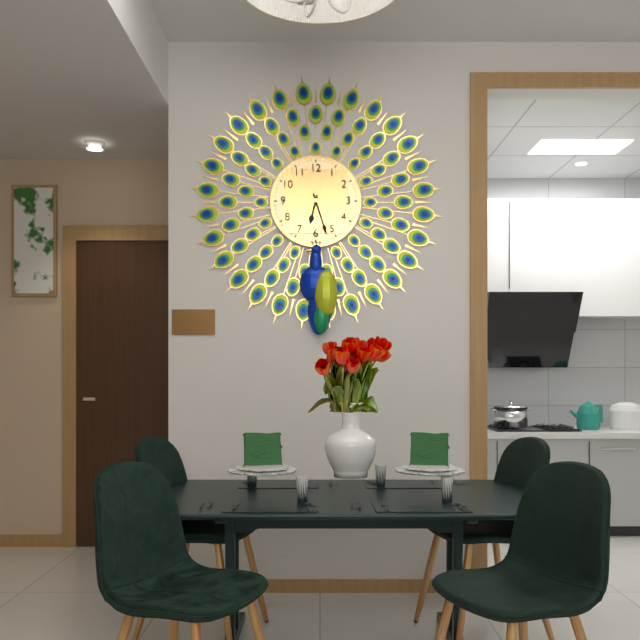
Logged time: **6:27**
